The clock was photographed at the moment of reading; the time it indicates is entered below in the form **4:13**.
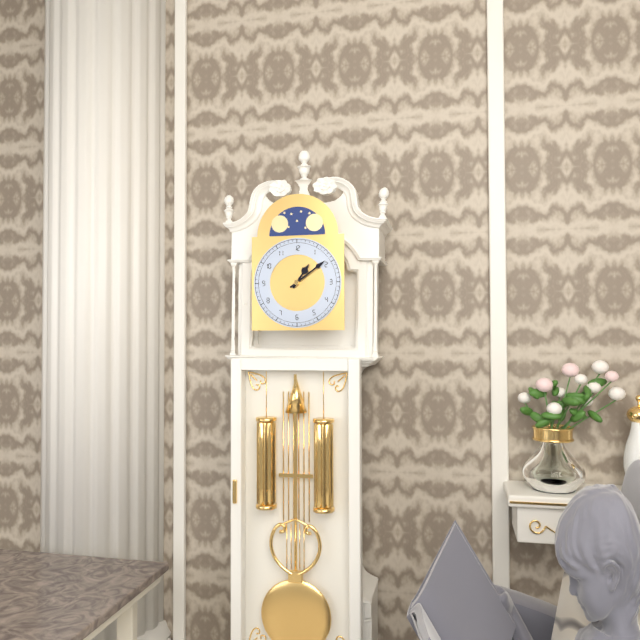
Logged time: **1:09**
